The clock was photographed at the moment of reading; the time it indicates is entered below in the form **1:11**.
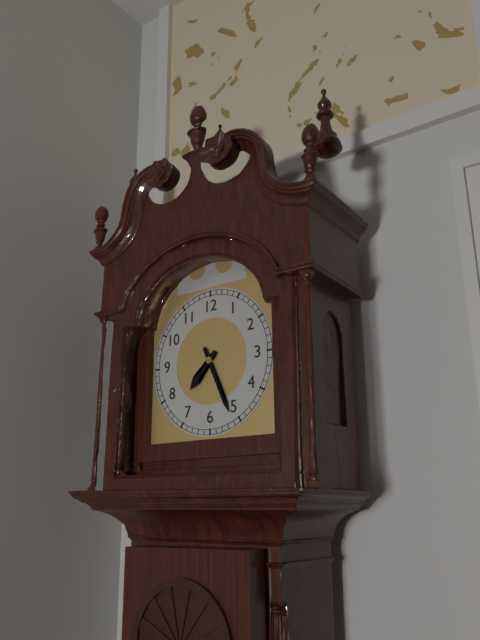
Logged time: **7:26**
